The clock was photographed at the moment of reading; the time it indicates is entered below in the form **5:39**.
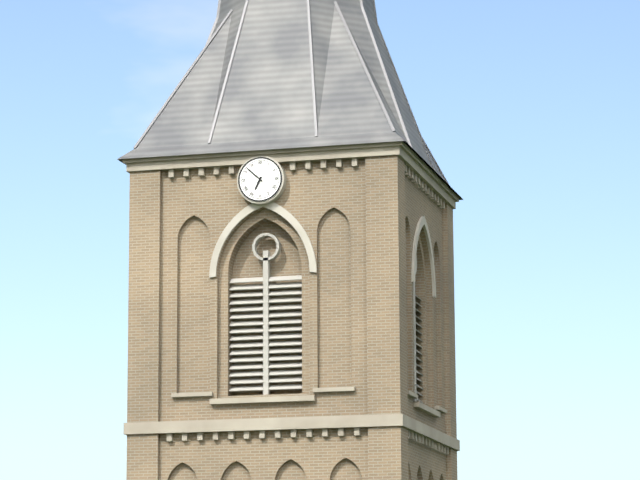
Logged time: **6:52**
